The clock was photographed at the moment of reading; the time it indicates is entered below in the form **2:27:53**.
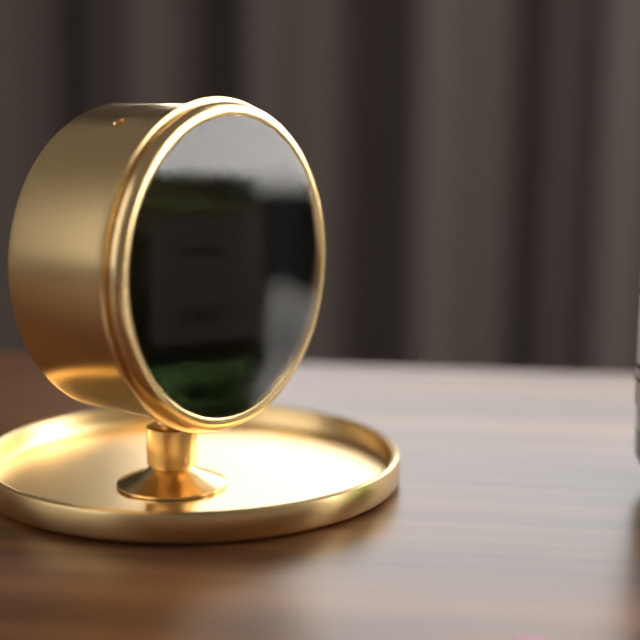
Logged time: **10:52:24**
